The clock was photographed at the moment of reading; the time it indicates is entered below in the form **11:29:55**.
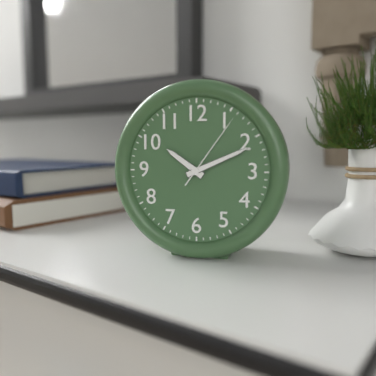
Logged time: **10:11:06**
